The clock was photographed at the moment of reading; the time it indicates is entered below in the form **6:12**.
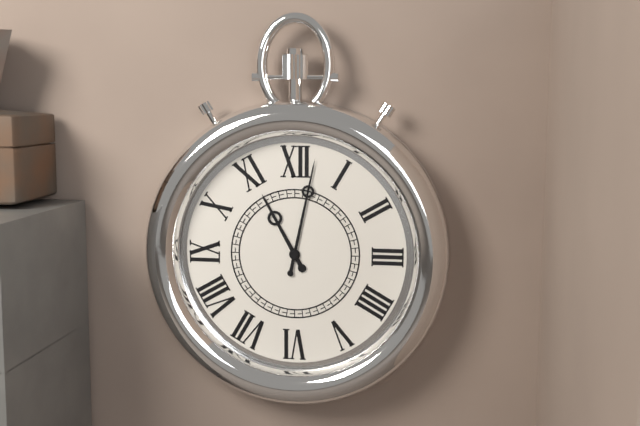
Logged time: **11:02**
